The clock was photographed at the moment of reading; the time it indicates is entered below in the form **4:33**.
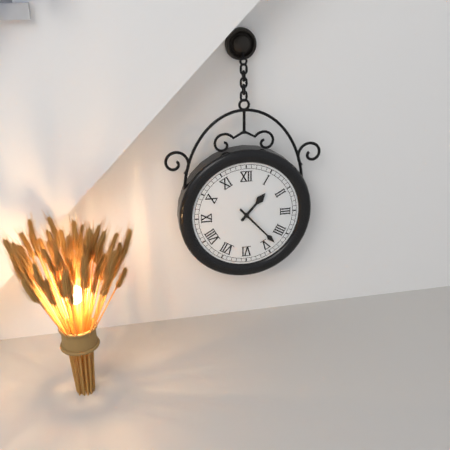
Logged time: **1:23**
